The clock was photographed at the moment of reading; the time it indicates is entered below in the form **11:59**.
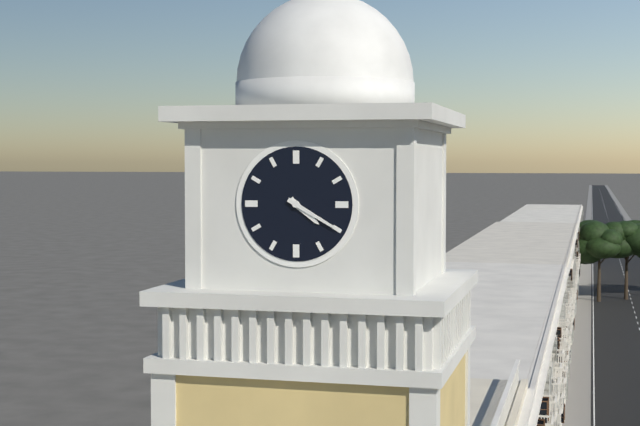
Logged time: **4:20**
